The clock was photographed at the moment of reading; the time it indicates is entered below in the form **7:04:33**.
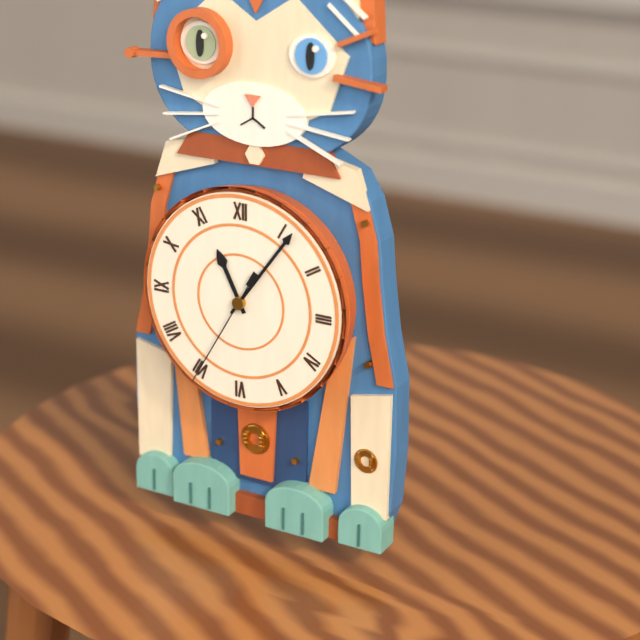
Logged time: **11:06:35**
